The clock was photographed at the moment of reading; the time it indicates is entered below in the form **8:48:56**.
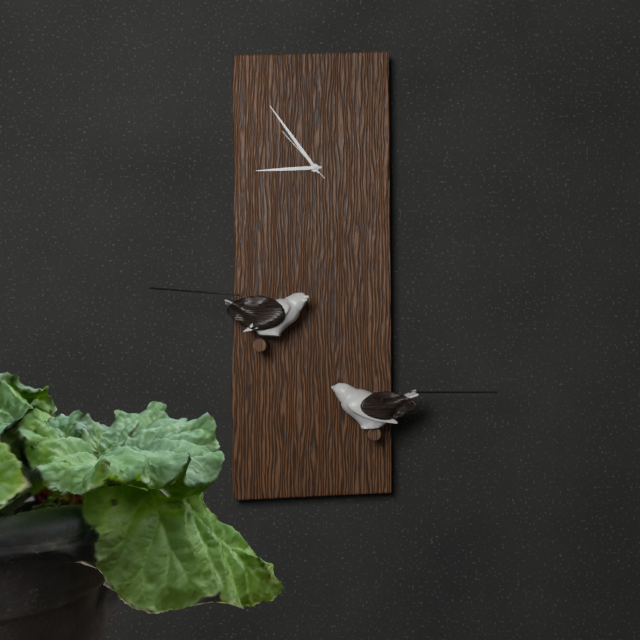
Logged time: **8:54:53**
